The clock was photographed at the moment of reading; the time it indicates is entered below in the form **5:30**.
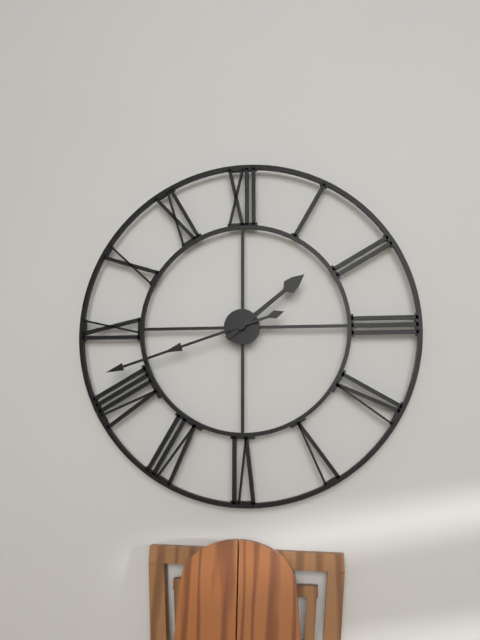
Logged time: **1:42**
